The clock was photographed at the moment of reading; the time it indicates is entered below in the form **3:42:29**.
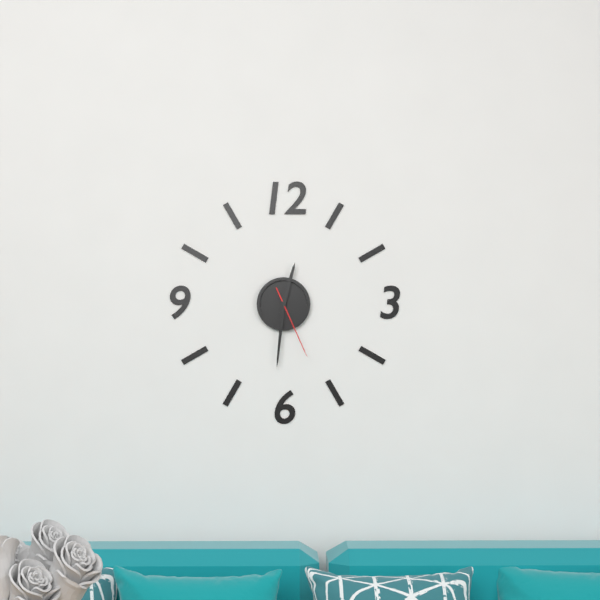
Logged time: **12:31:26**
